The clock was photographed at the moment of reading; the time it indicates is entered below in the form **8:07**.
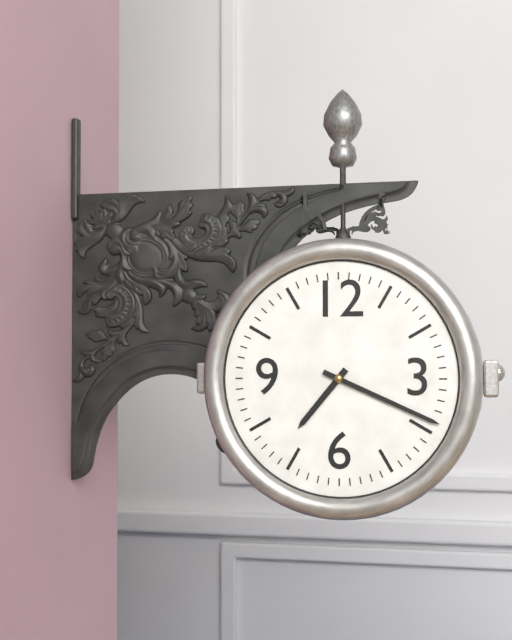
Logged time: **7:19**
